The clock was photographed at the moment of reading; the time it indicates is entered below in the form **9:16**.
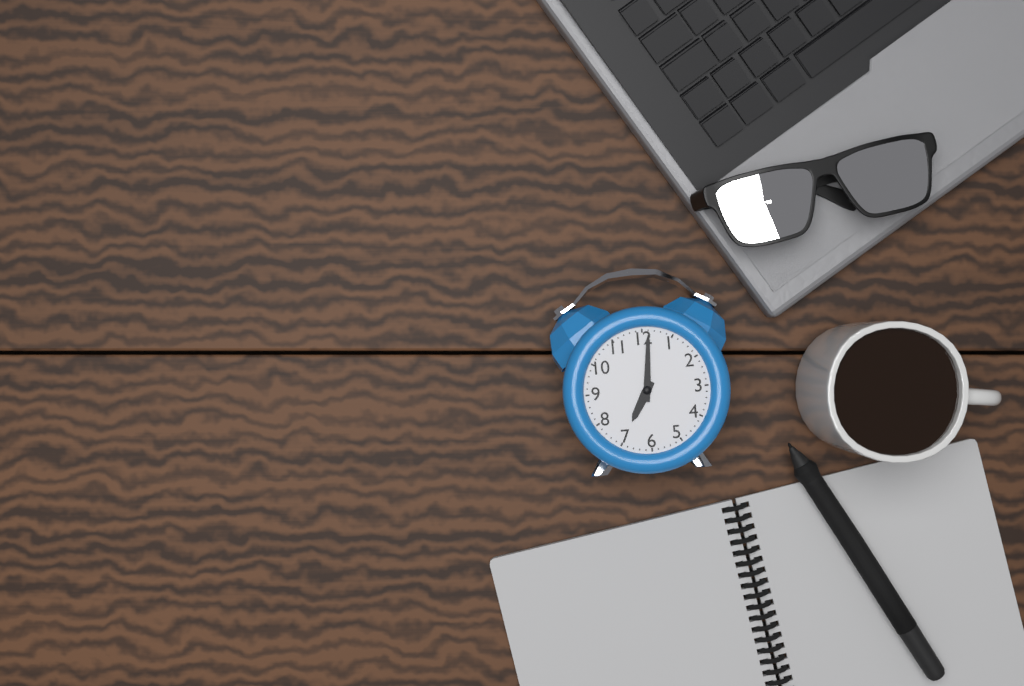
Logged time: **7:01**
